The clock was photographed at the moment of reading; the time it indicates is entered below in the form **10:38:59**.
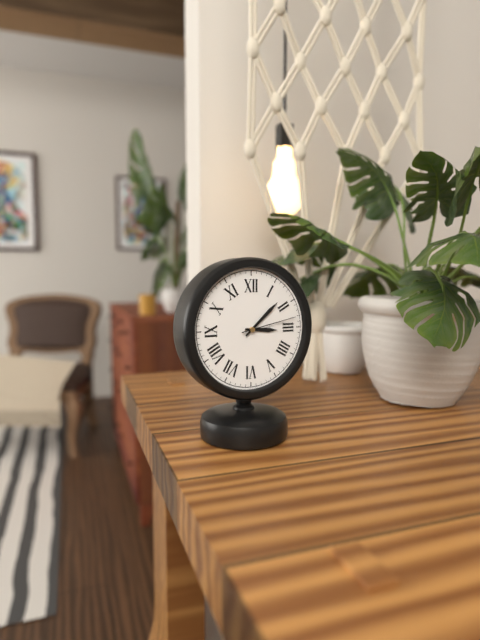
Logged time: **3:08:13**
